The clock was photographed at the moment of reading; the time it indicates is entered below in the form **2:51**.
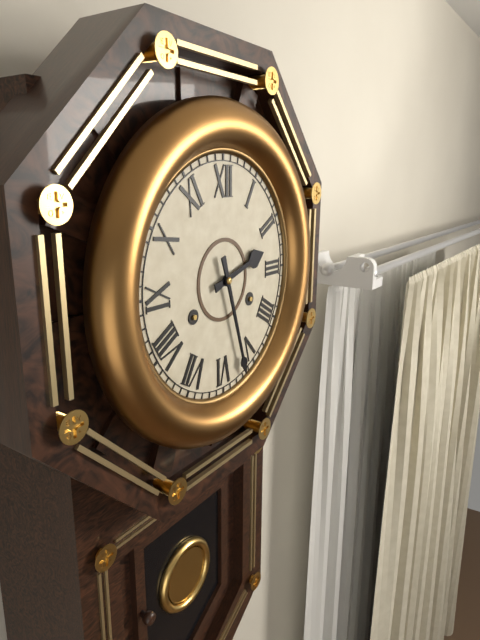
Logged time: **2:27**
